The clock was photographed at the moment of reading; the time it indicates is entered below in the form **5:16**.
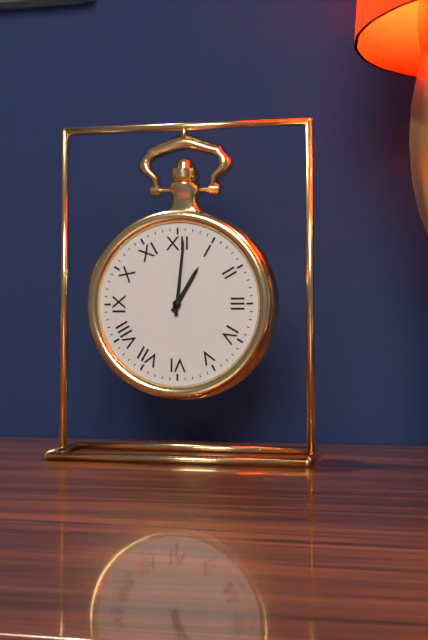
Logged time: **1:01**
